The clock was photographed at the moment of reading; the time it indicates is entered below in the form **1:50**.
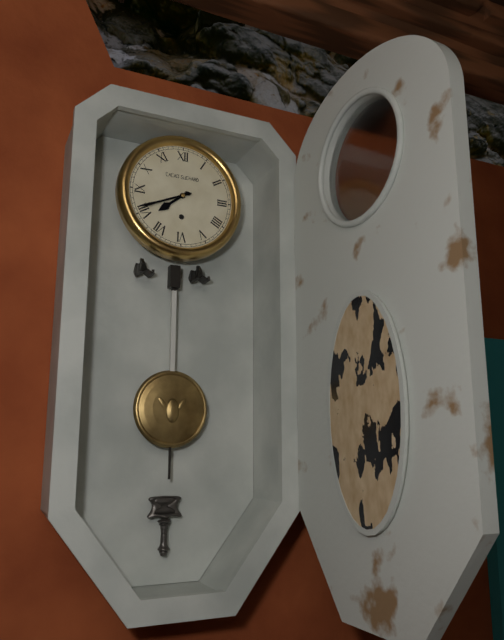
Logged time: **7:41**
